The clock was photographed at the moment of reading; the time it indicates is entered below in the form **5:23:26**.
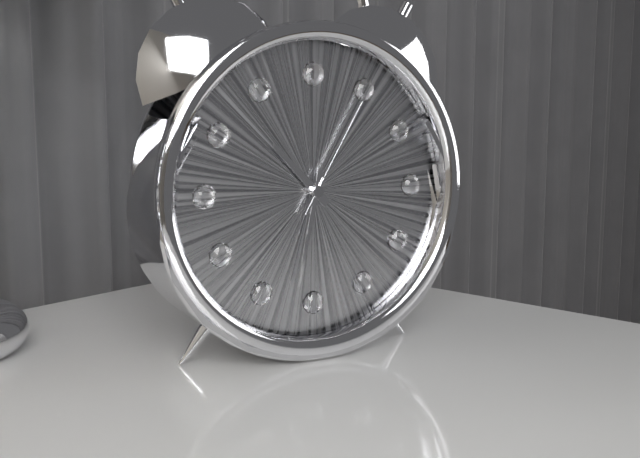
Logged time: **10:32:05**
